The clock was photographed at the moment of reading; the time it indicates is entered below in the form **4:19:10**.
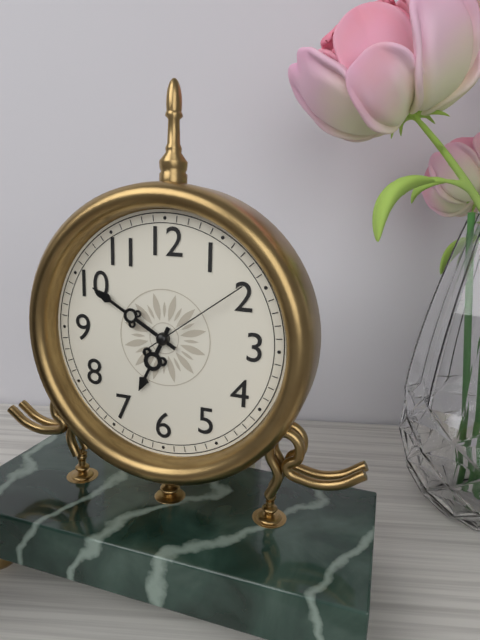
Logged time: **6:50:09**
